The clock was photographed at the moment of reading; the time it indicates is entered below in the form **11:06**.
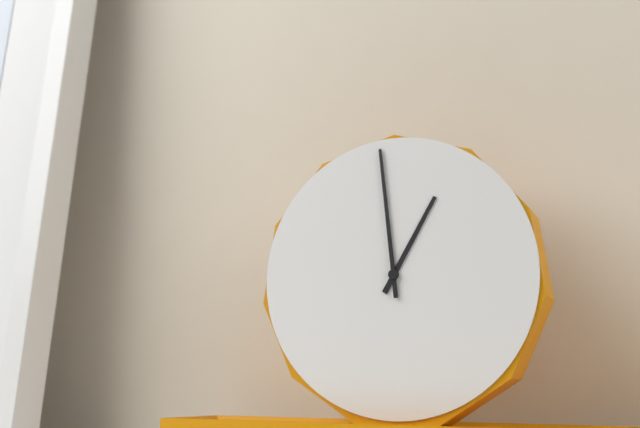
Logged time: **12:59**
